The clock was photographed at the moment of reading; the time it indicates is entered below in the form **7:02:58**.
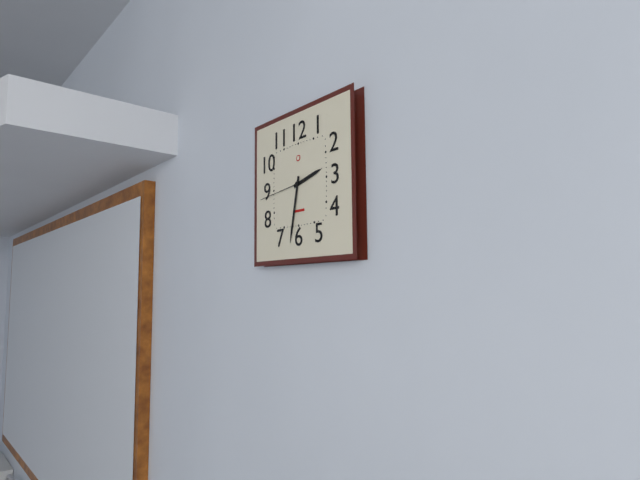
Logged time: **2:32:44**
